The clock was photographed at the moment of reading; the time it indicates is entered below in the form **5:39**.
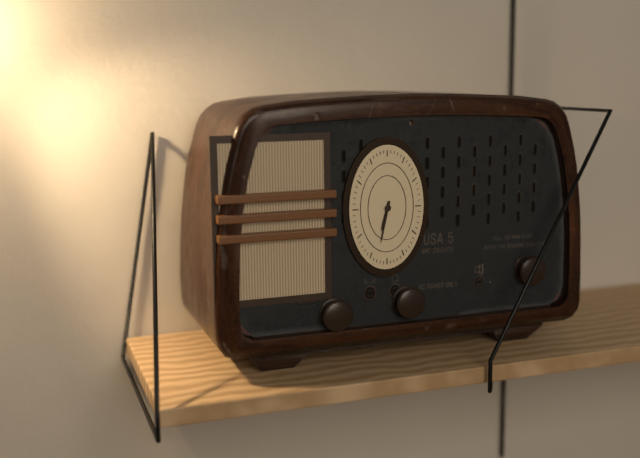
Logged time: **6:32**
